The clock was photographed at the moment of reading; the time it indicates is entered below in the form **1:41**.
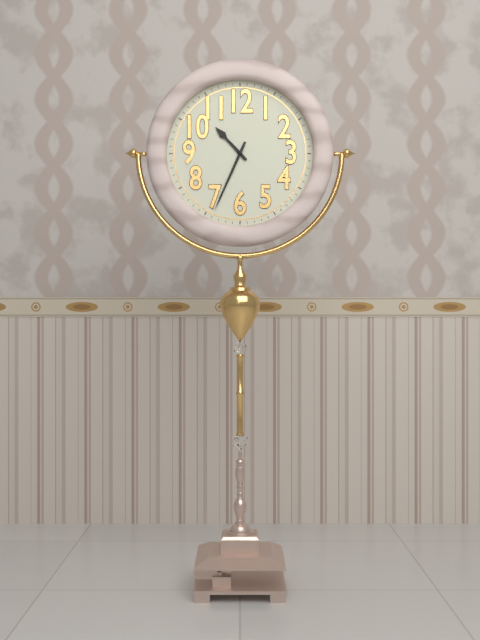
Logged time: **10:34**
